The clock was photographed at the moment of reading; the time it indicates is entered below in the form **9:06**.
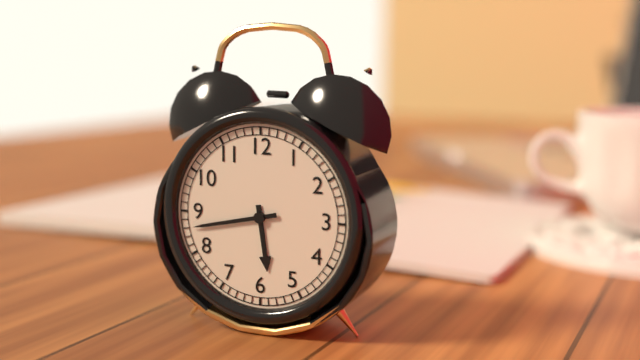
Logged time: **5:43**
